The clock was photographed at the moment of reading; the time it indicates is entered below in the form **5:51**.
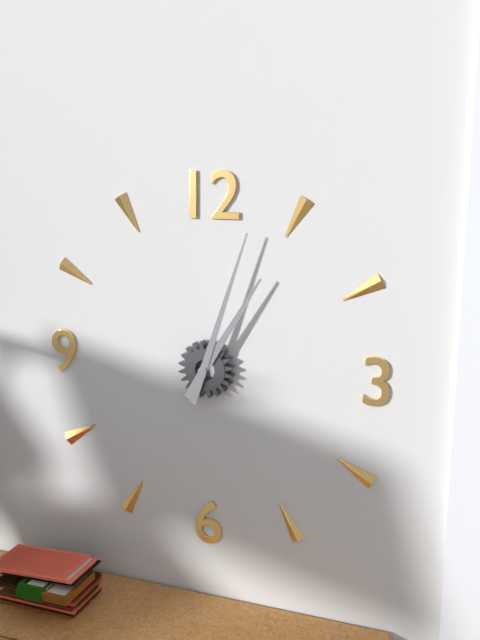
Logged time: **1:03**
